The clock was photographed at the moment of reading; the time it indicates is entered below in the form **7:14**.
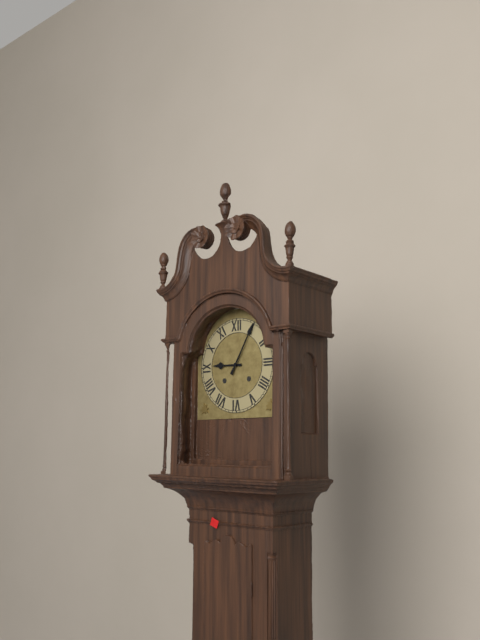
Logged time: **9:05**
